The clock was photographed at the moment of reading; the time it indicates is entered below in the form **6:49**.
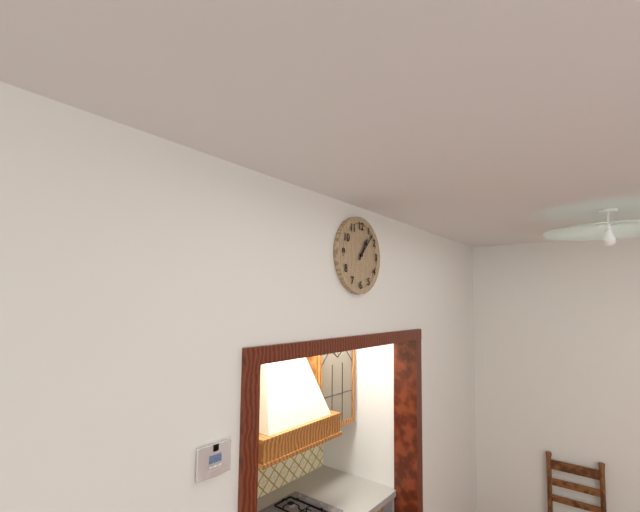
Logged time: **1:07**
